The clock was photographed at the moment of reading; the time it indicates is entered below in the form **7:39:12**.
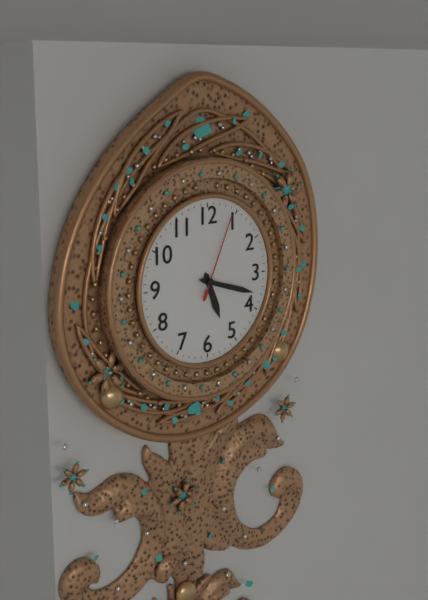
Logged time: **5:18:04**
